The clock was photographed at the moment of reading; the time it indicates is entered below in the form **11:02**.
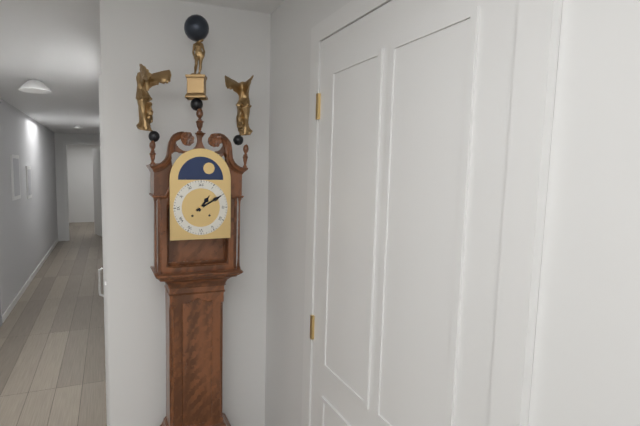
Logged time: **1:10**
